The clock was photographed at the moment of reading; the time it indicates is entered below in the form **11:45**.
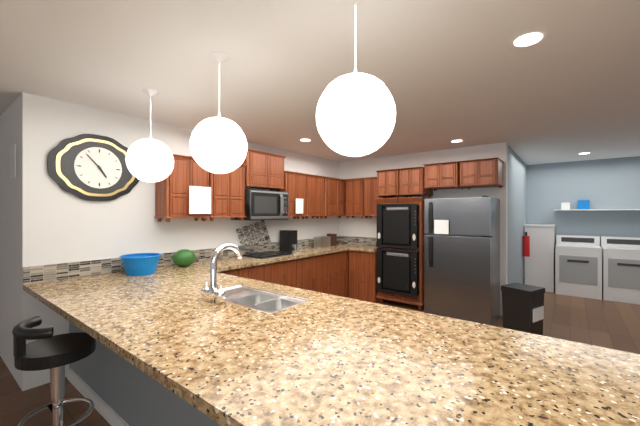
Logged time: **4:53**
